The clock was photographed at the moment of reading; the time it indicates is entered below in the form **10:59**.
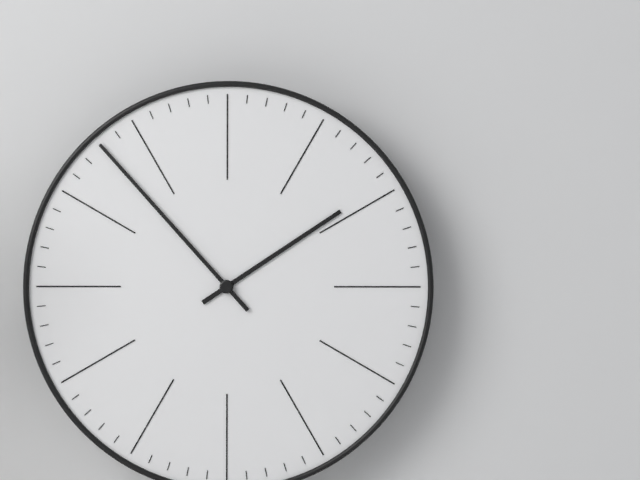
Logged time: **1:53**
